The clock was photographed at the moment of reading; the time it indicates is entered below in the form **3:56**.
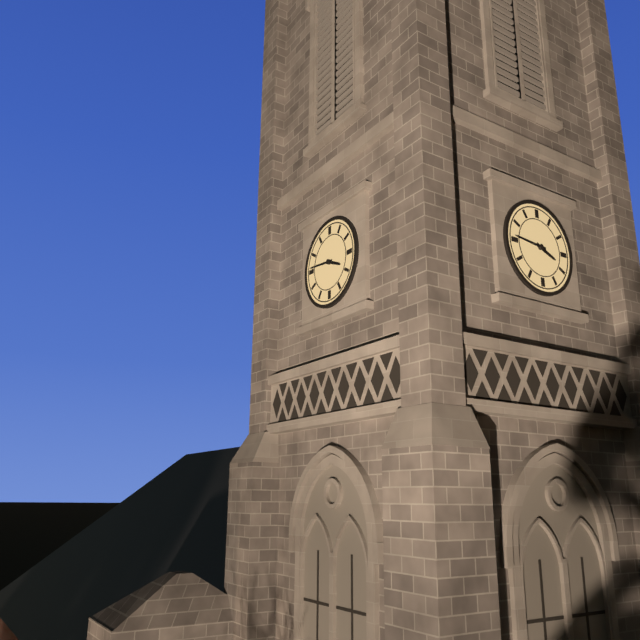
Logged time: **3:46**
